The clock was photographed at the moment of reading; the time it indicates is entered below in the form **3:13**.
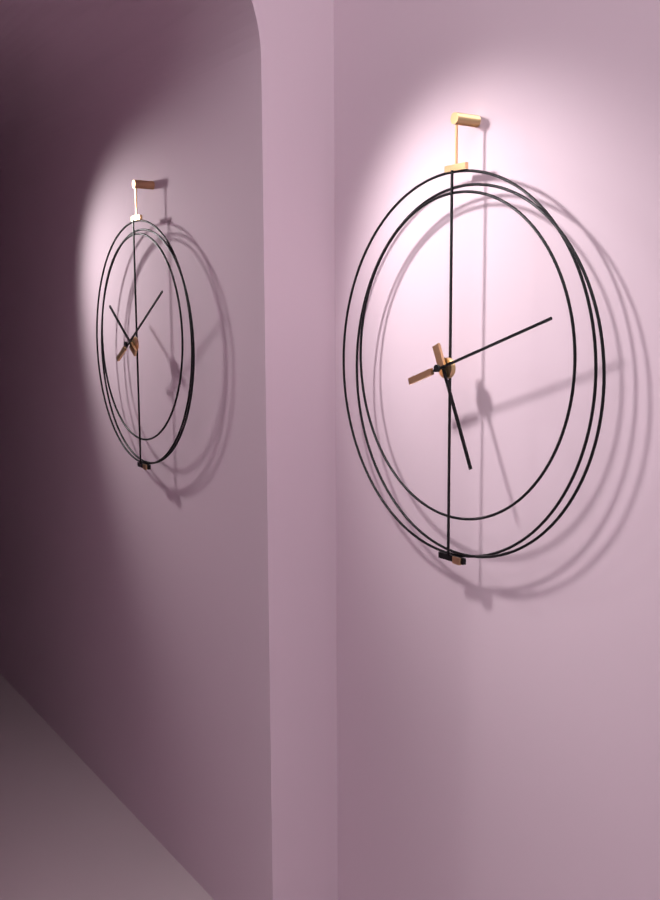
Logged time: **5:12**
